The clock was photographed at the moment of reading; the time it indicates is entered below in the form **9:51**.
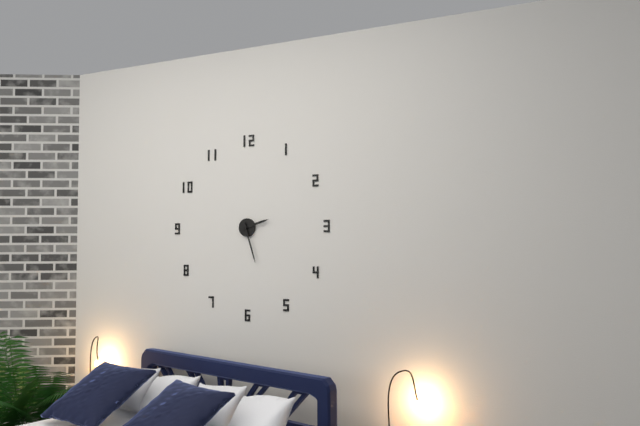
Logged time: **2:27**
